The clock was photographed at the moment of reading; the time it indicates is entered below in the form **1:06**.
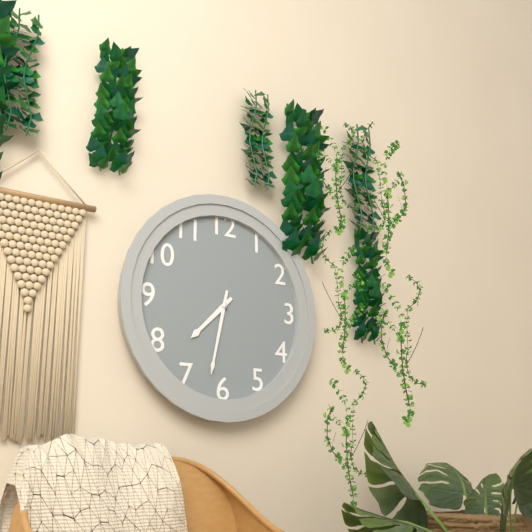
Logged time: **7:32**
